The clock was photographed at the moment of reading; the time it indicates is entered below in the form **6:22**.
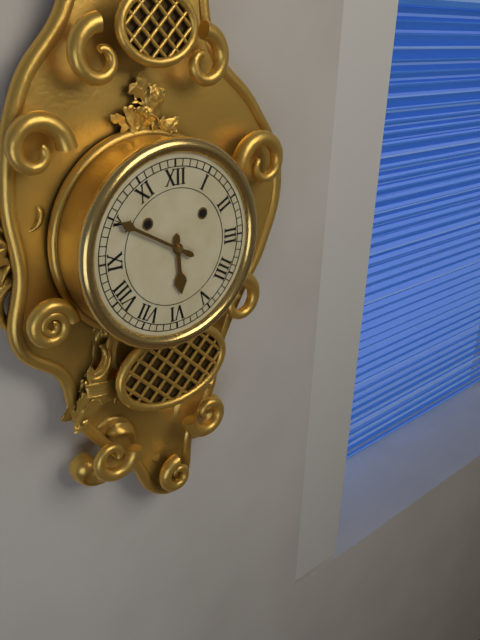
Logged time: **5:50**
